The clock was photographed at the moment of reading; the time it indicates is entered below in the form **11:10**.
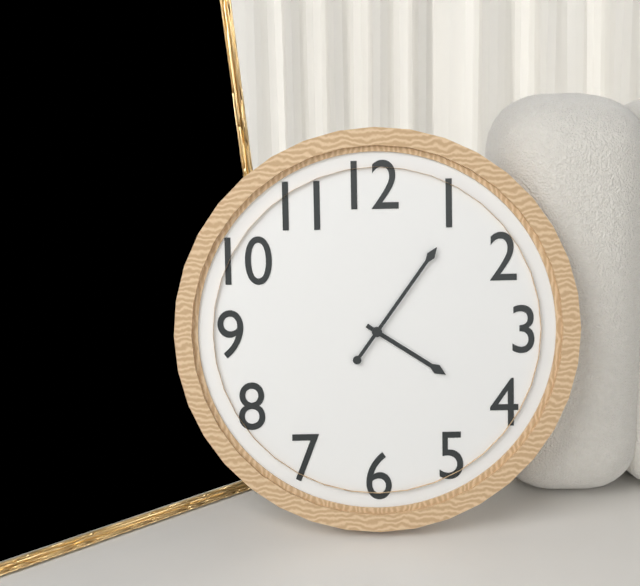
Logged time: **4:06**
